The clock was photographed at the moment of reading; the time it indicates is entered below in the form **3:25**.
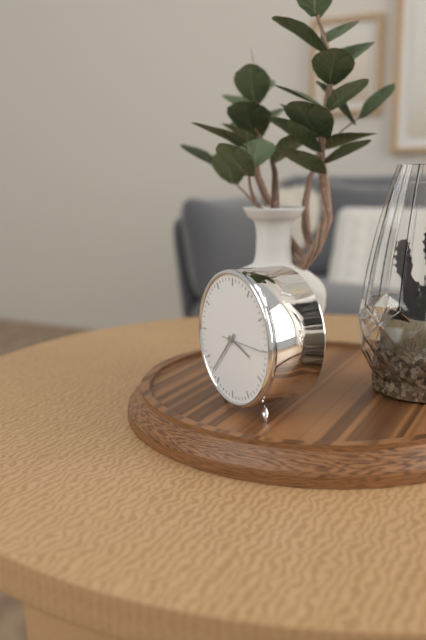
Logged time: **3:37**
